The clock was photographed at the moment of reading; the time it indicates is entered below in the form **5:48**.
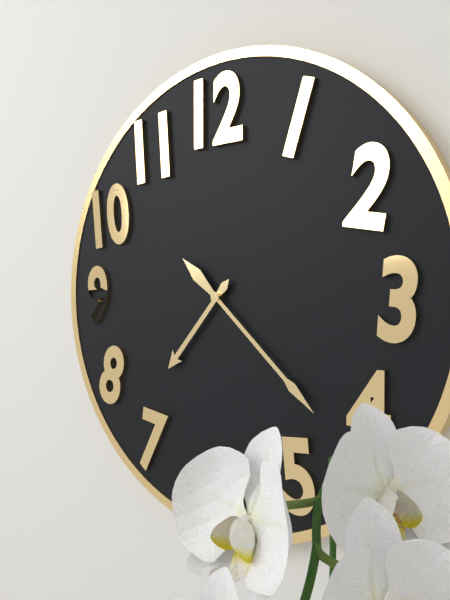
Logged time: **7:22**
